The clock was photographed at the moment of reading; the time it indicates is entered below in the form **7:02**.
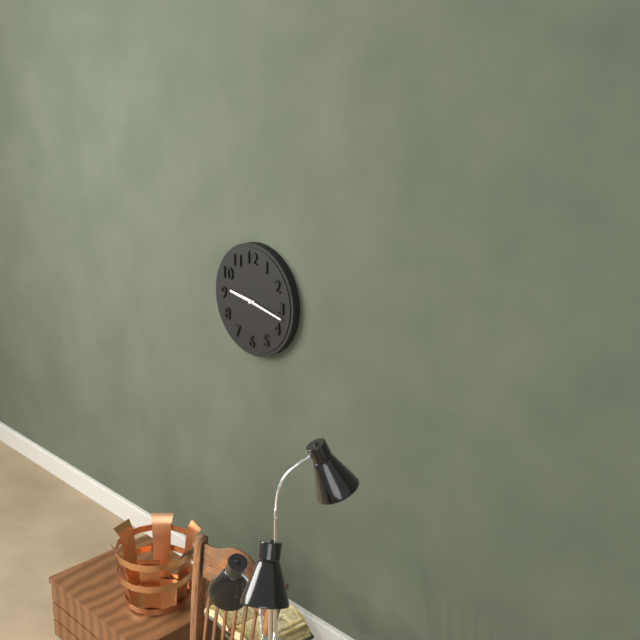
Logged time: **9:17**
